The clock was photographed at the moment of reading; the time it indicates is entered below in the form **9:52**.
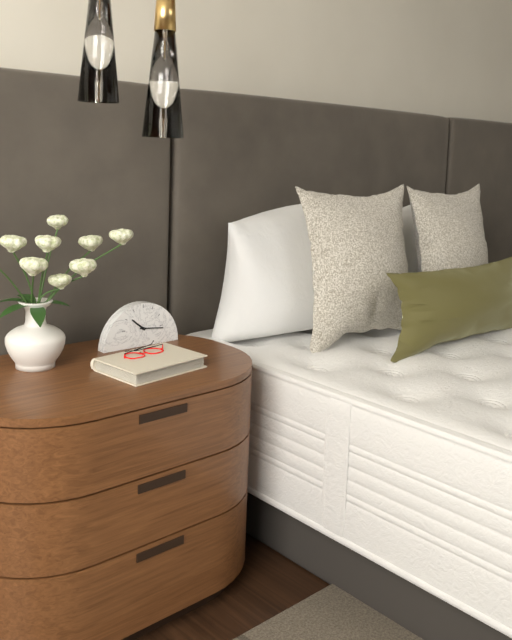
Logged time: **10:16**
